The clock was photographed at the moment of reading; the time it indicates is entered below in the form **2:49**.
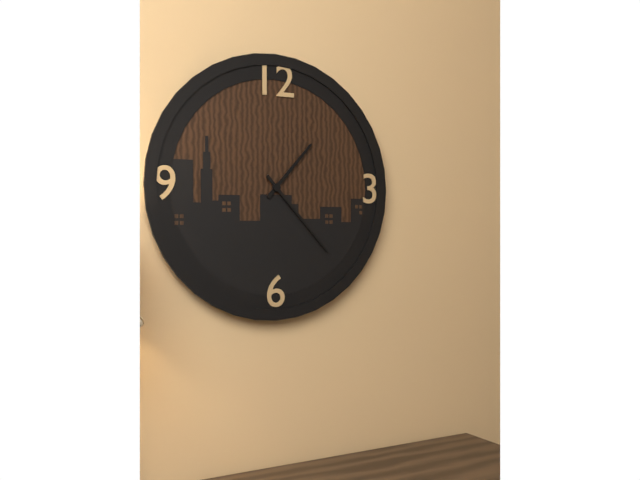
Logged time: **1:23**
